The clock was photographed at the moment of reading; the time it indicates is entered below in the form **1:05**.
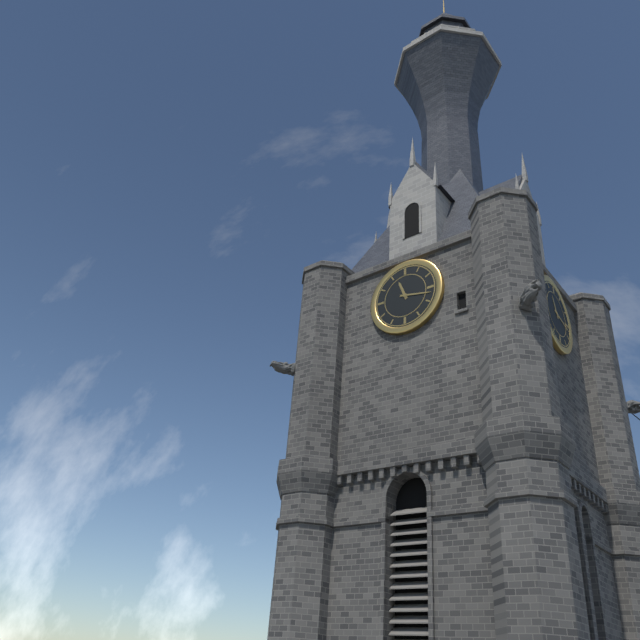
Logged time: **11:17**
